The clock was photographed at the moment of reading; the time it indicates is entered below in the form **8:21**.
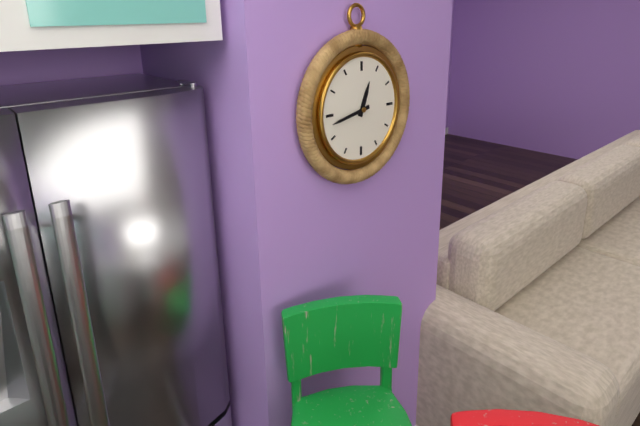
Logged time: **12:43**
